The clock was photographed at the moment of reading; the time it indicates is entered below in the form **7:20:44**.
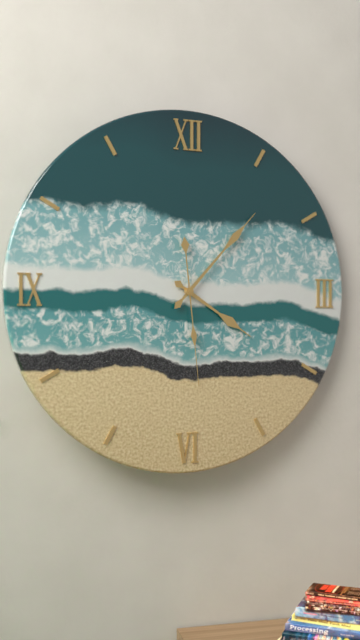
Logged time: **4:07:29**
